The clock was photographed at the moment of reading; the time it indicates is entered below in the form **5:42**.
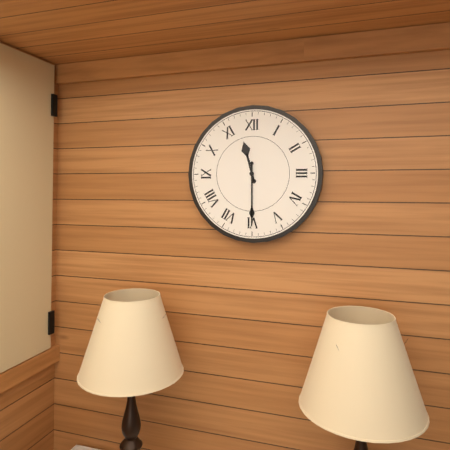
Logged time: **11:30**
